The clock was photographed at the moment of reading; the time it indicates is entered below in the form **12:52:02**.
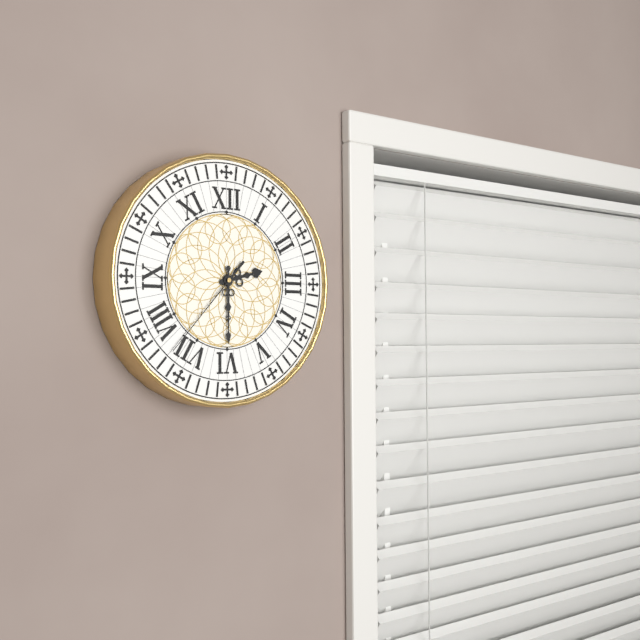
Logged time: **2:30:37**
